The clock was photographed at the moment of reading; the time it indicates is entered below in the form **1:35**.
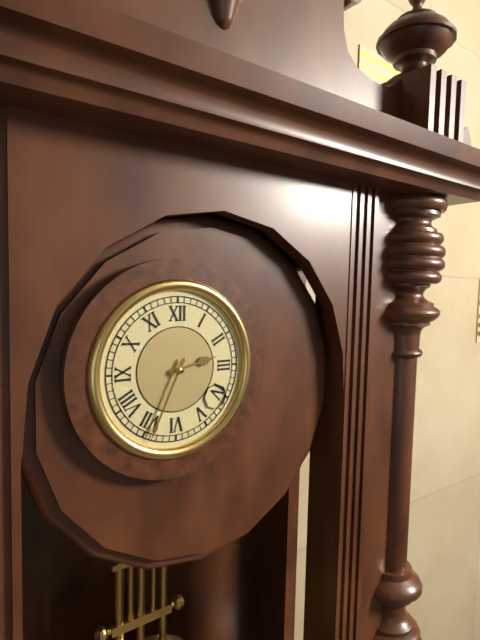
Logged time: **2:34**
